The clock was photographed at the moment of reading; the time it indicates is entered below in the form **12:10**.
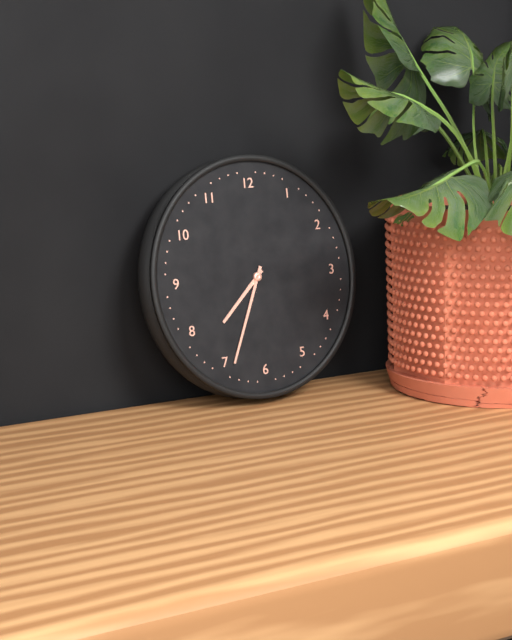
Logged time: **7:34**
